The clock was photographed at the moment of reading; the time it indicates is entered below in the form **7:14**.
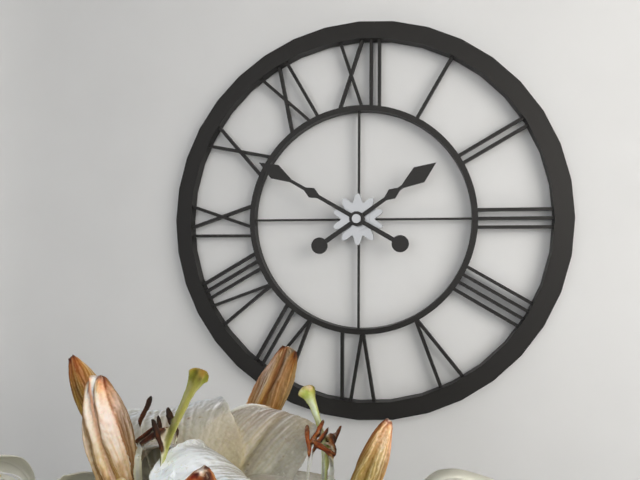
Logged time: **1:50**
